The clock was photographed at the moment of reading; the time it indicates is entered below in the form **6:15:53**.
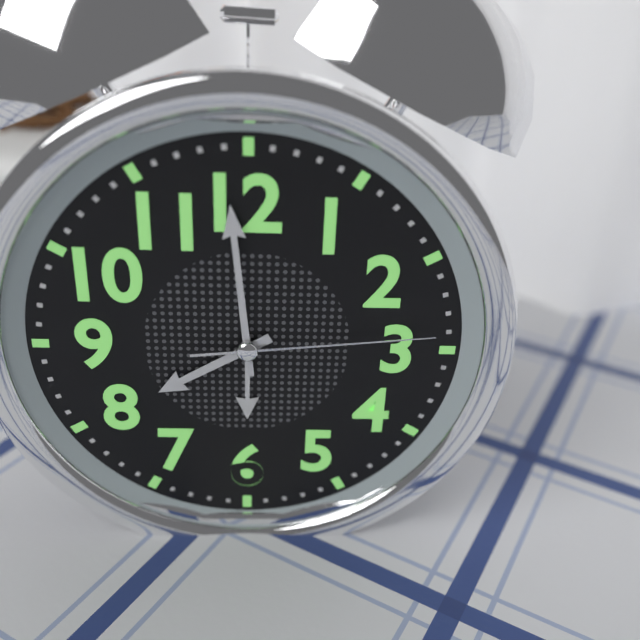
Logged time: **7:59:14**
